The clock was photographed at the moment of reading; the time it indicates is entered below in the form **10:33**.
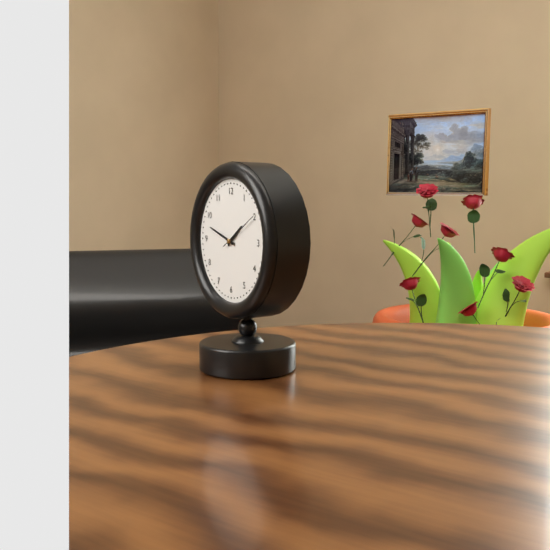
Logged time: **1:48**
